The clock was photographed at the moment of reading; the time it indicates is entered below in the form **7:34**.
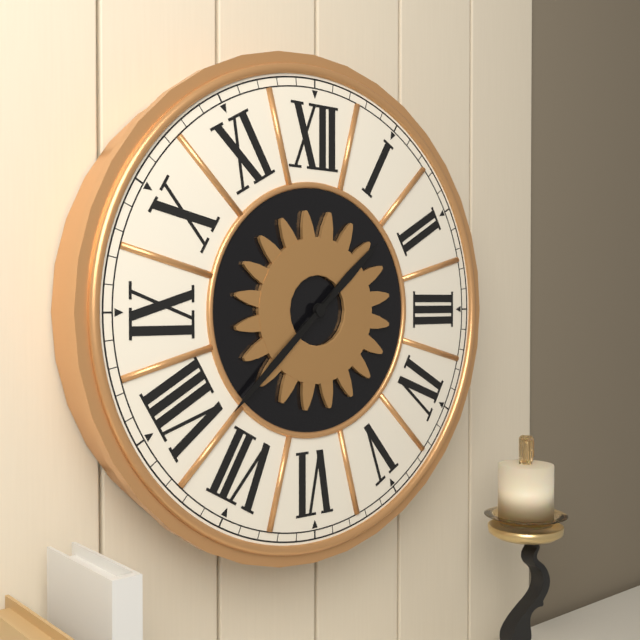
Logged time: **1:38**
